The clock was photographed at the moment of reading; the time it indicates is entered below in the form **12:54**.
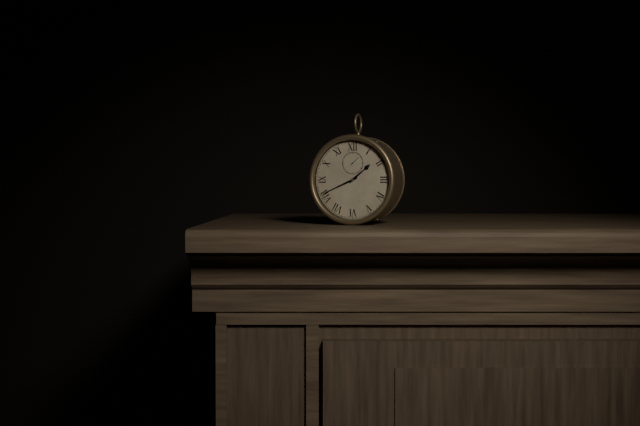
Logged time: **1:41**
